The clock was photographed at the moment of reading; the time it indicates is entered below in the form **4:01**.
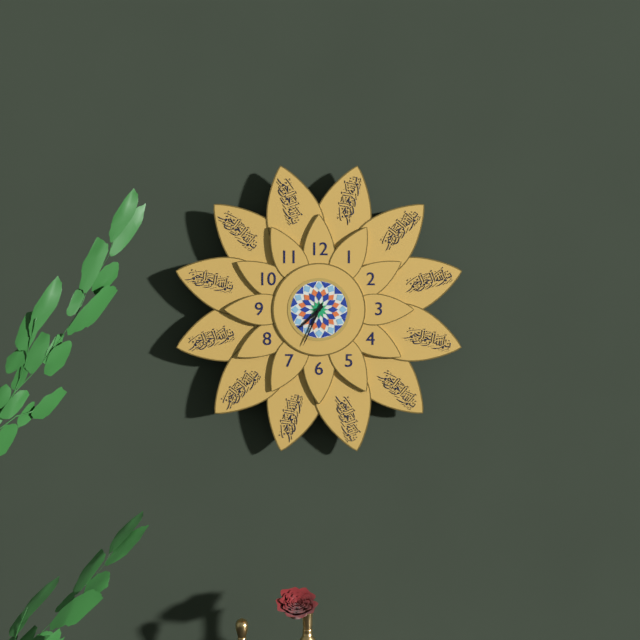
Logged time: **7:34**
